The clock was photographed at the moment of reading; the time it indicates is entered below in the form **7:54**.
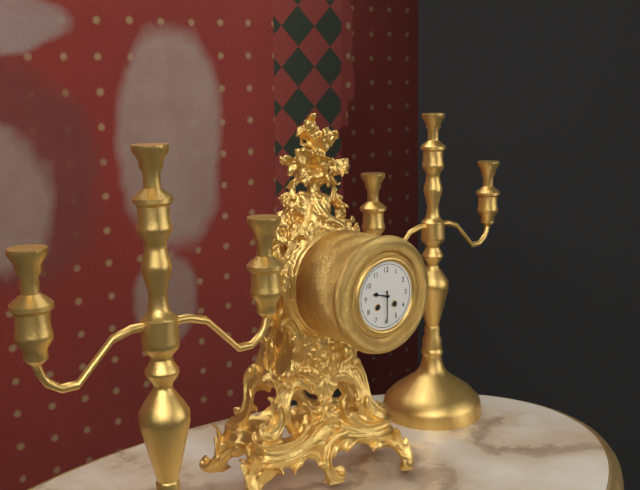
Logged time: **9:30**
